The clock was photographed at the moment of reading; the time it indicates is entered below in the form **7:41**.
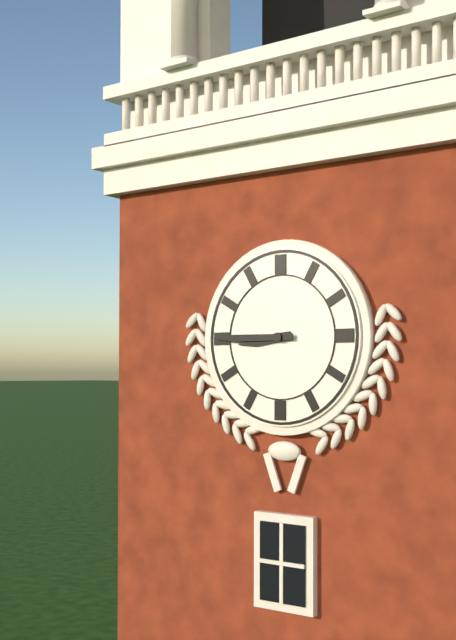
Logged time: **8:45**
